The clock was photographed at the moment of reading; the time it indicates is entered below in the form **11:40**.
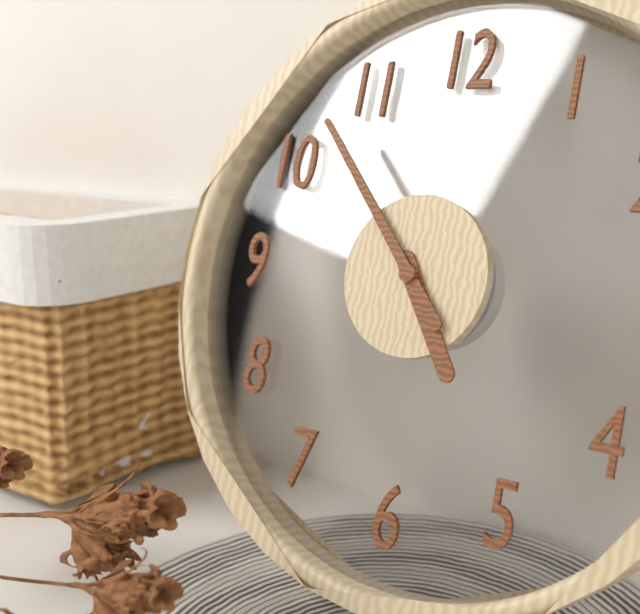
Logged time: **4:53**
